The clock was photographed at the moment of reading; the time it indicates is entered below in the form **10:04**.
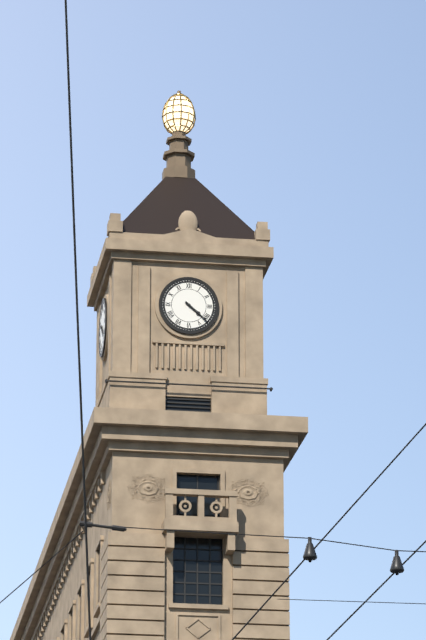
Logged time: **4:22**
